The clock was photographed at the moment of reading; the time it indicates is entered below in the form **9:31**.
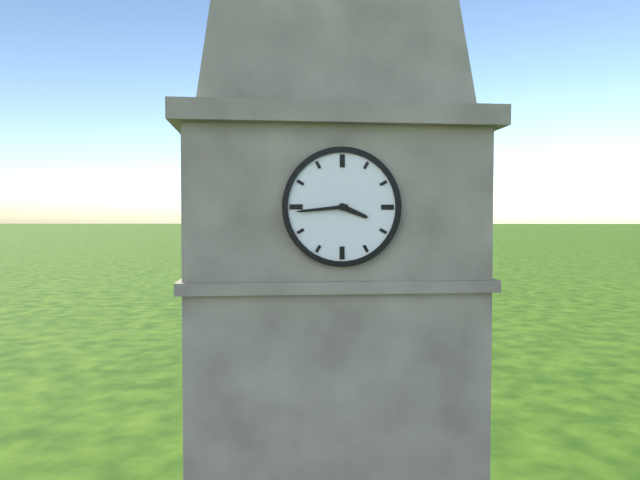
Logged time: **3:44**
